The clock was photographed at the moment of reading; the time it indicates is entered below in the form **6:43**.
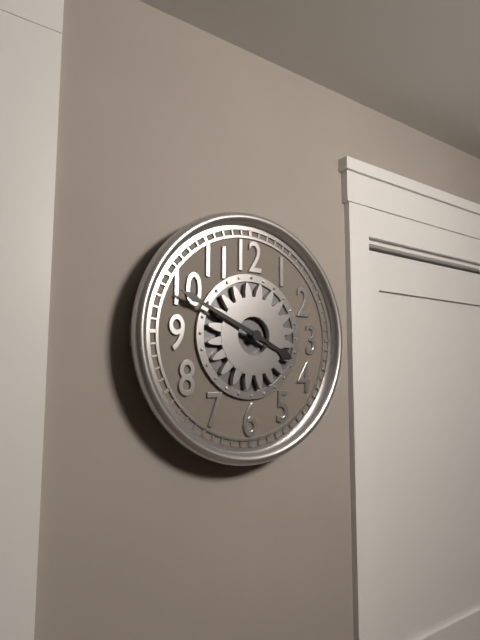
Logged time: **3:49**
